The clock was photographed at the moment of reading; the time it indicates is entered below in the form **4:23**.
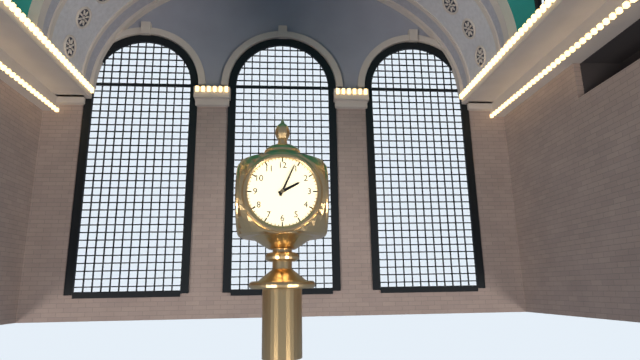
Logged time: **2:04**
